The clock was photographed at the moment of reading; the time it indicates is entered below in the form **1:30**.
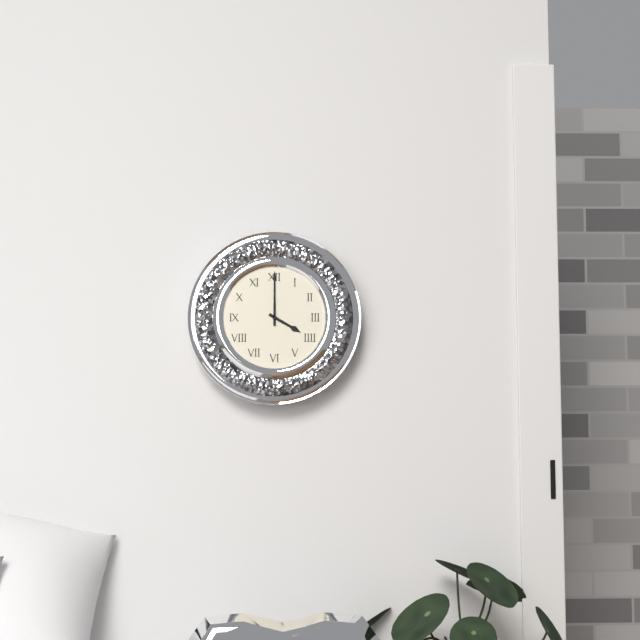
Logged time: **4:00**
